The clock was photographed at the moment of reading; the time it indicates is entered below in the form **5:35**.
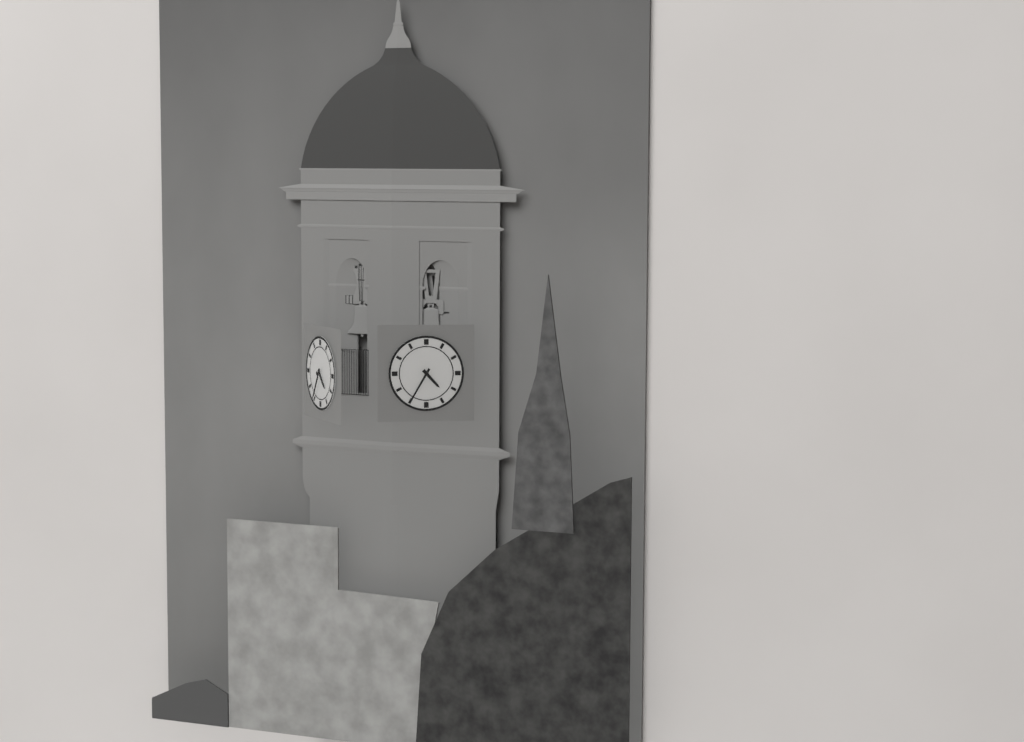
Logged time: **4:35**
